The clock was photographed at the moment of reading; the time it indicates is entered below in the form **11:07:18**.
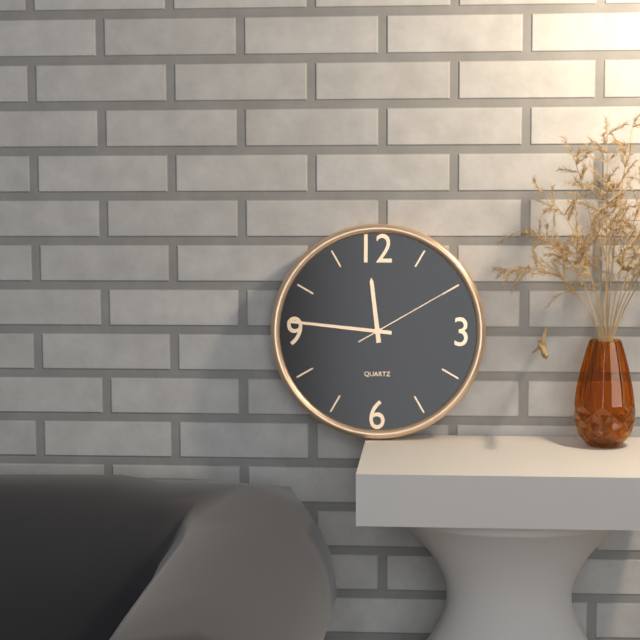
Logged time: **11:46:10**
